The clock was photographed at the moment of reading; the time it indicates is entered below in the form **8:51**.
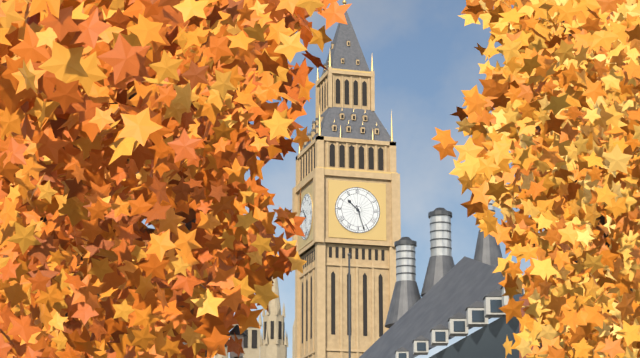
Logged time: **10:27**
